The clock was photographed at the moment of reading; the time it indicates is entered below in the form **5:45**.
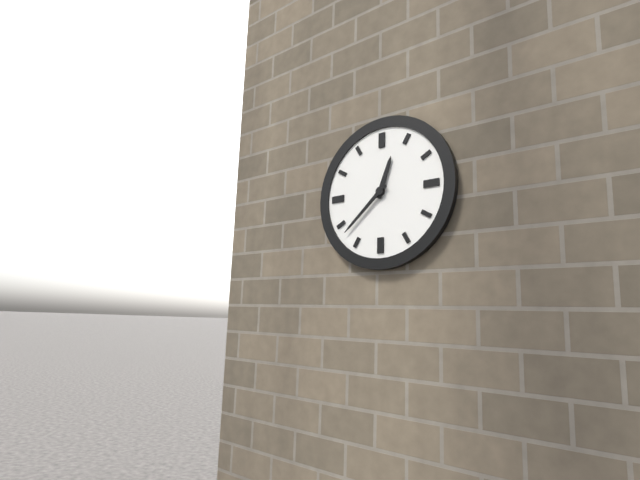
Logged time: **12:38**
